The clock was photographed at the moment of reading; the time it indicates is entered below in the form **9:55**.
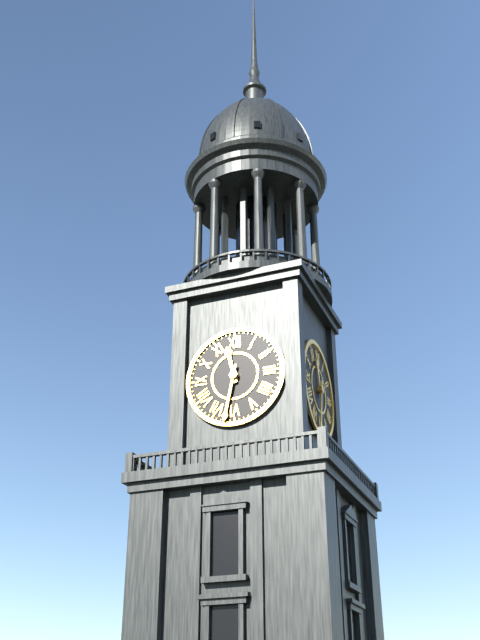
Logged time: **11:32**
